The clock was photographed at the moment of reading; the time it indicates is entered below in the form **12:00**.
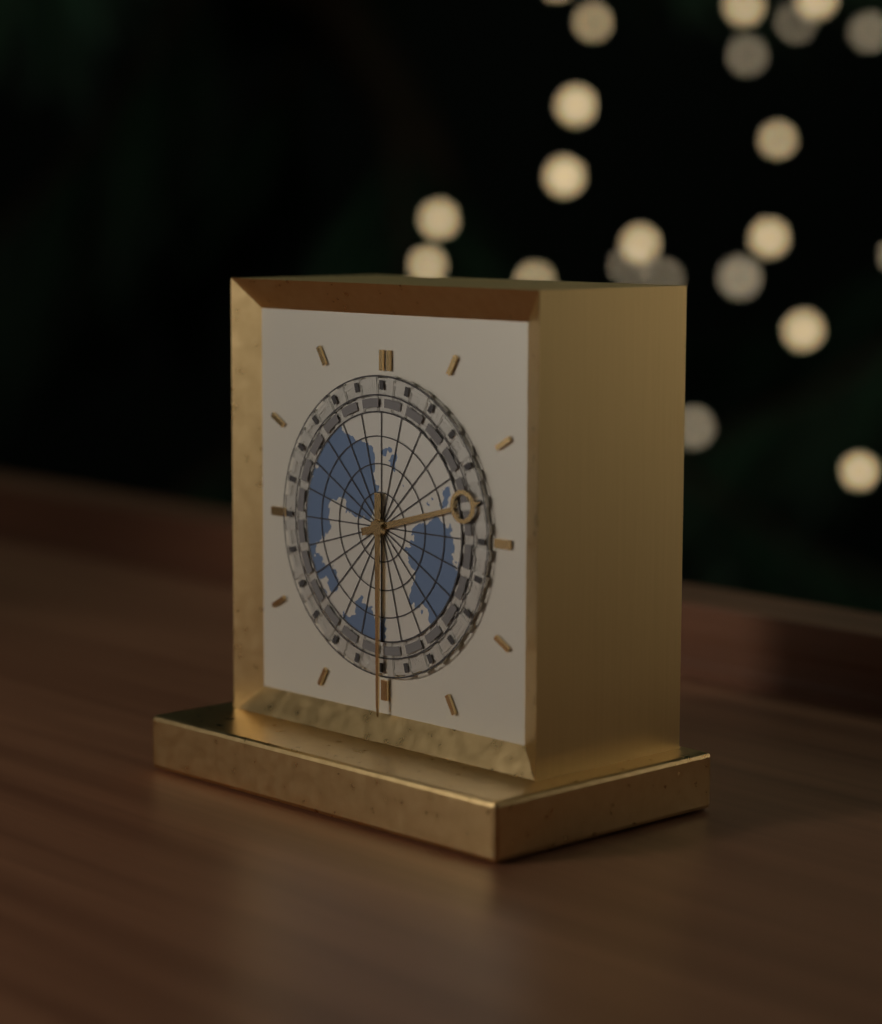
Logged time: **2:30**
